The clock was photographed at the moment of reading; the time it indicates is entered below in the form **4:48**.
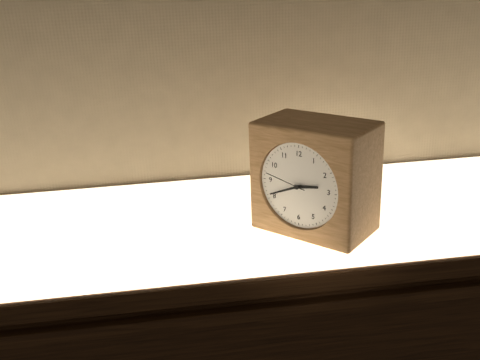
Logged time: **2:41**
